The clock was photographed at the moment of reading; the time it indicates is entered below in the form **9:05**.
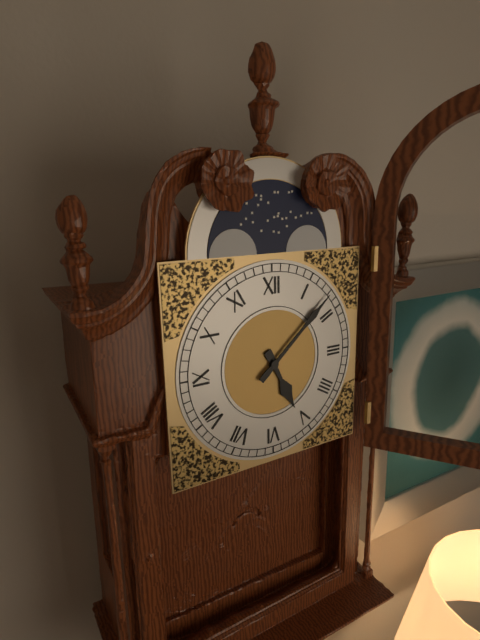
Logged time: **5:08**
